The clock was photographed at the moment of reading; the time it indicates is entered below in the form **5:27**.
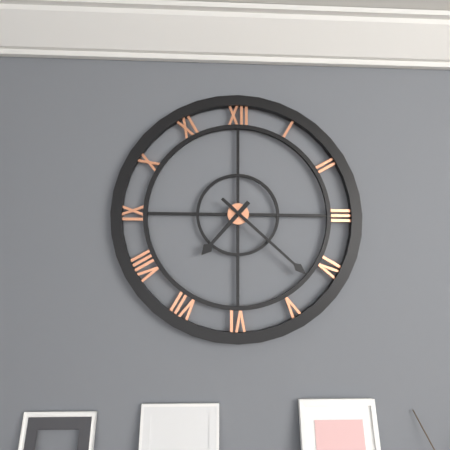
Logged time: **7:22**
